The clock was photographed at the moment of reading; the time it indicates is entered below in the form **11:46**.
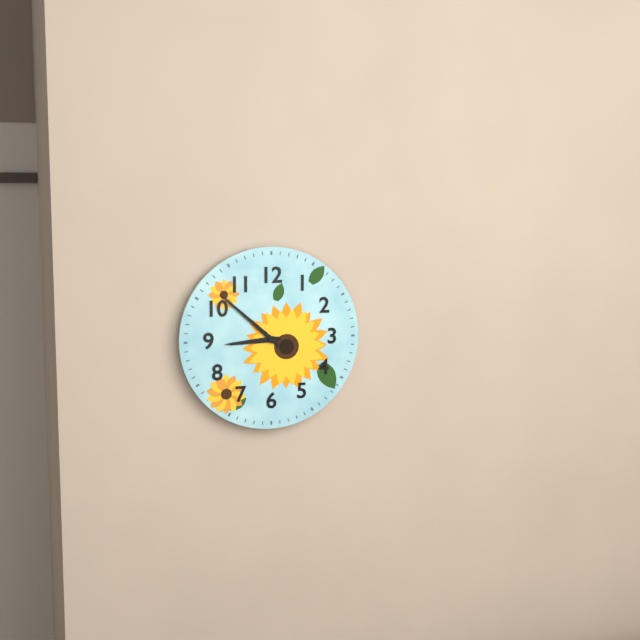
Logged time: **8:52**
